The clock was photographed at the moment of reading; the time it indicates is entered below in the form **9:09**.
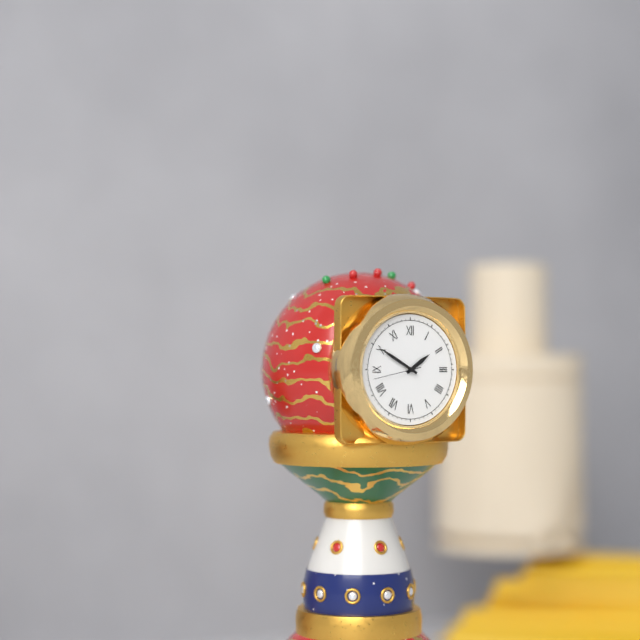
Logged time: **1:50**
